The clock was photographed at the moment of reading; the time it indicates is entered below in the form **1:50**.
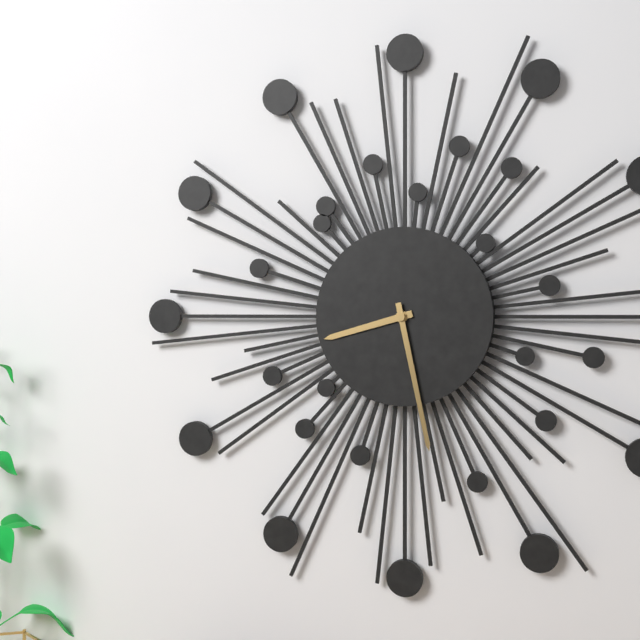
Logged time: **8:28**
